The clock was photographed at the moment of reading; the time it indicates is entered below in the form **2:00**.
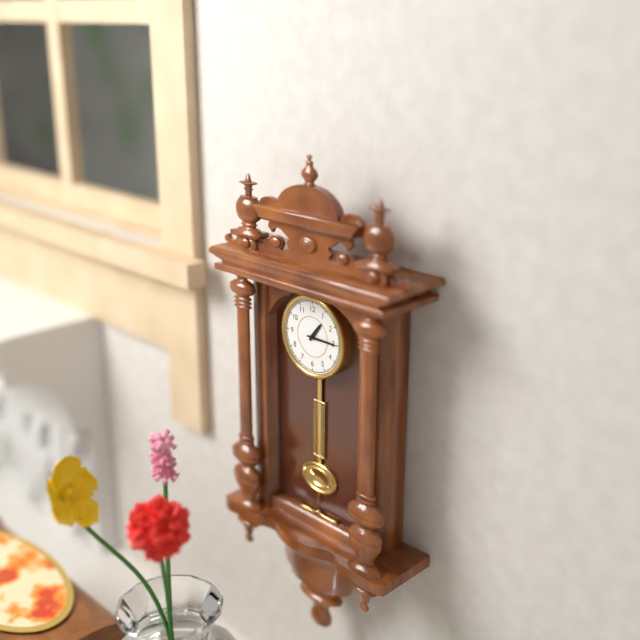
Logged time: **1:15**
